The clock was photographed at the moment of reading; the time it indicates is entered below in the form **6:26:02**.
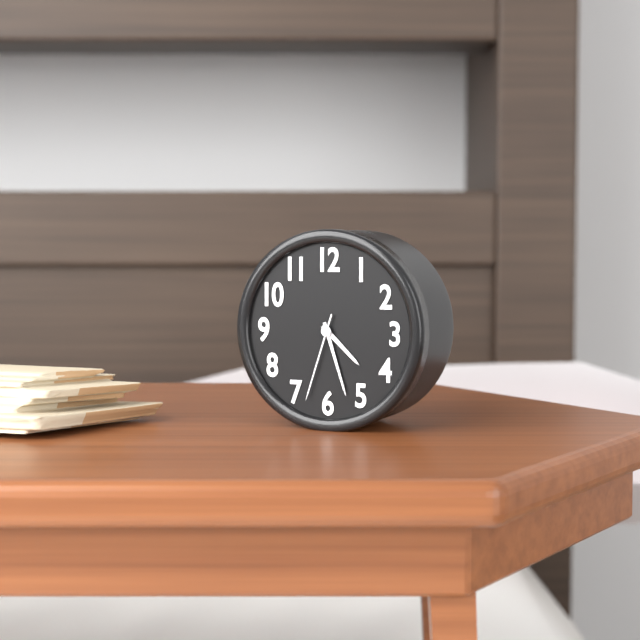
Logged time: **4:27:33**
